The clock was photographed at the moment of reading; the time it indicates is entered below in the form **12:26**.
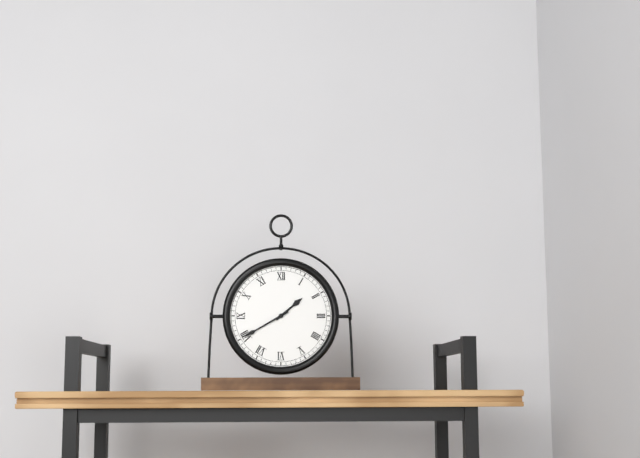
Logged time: **1:40**
